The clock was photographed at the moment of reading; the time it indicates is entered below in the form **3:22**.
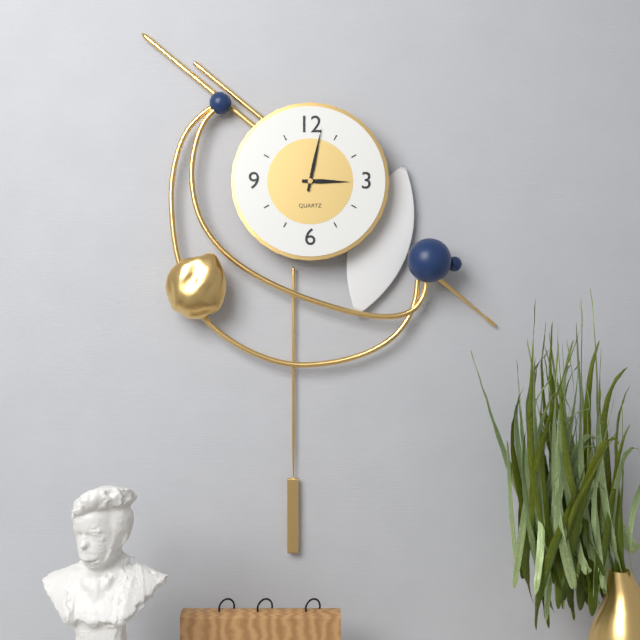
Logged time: **3:02**
